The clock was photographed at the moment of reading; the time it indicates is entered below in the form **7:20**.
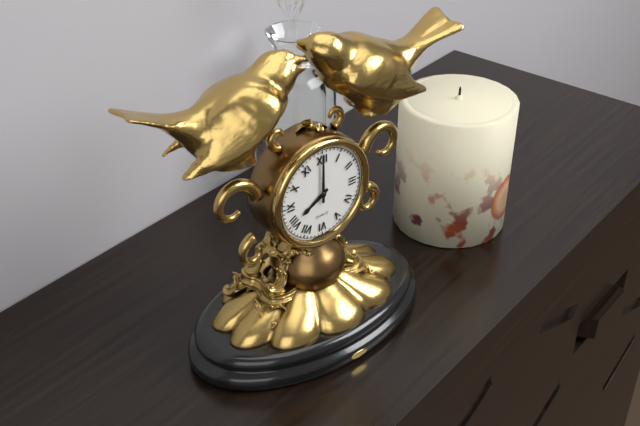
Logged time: **8:00**
